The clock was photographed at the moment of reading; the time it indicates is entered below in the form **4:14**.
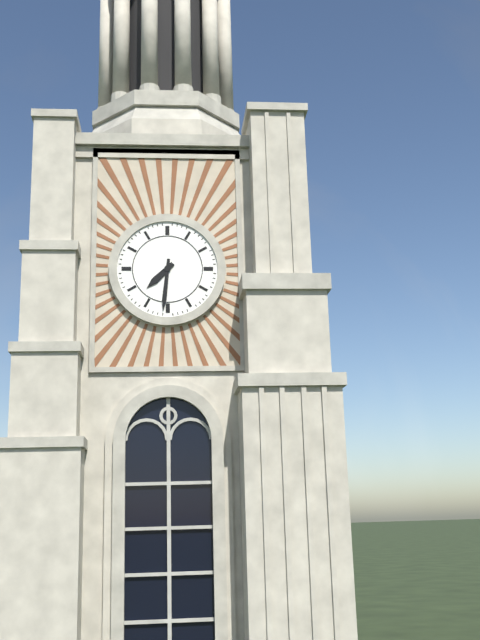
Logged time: **7:31**
